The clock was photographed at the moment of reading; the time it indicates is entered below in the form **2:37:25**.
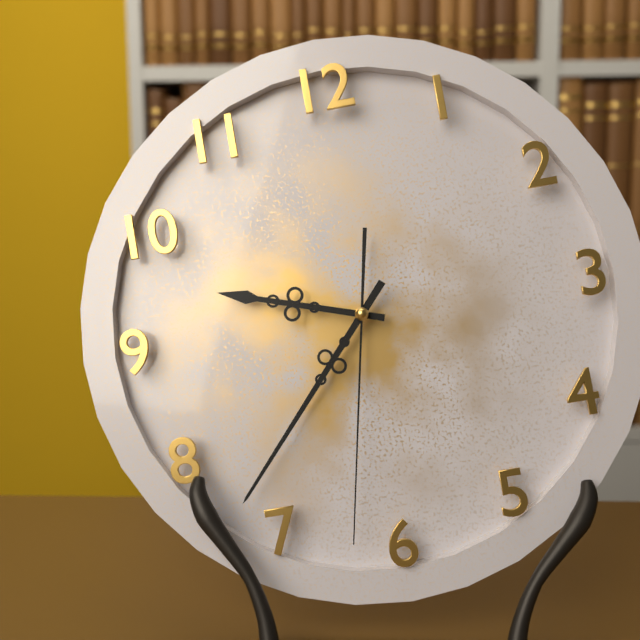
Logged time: **9:37:32**
